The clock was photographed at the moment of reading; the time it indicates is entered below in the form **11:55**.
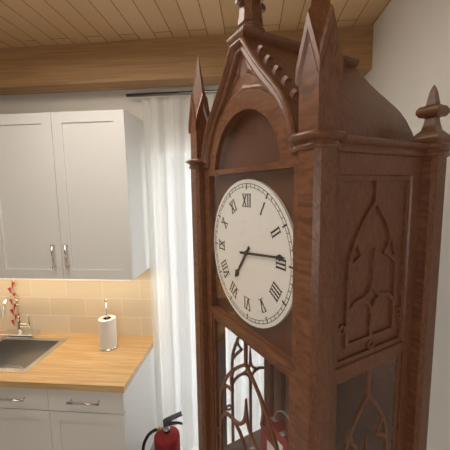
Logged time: **7:14**
